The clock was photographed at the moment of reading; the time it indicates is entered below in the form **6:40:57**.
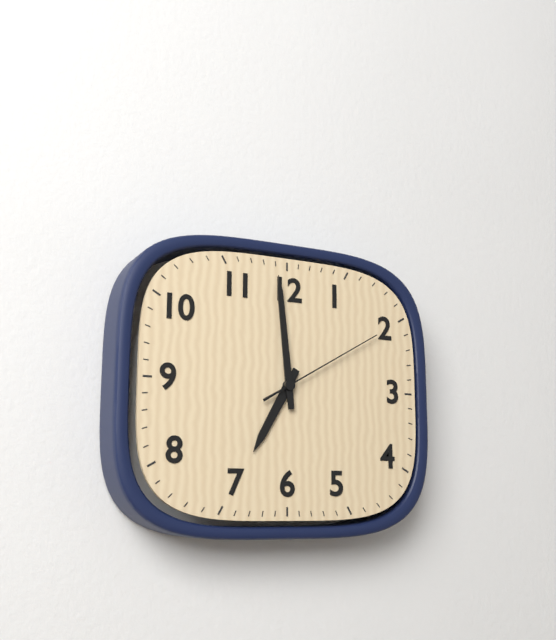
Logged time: **6:59:10**
